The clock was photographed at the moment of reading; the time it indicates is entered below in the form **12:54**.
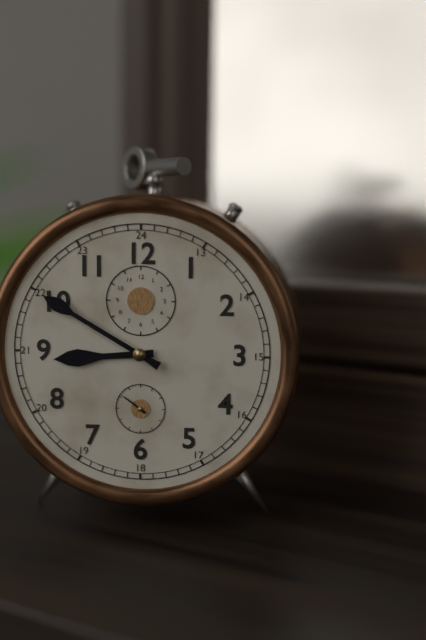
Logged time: **8:50**
